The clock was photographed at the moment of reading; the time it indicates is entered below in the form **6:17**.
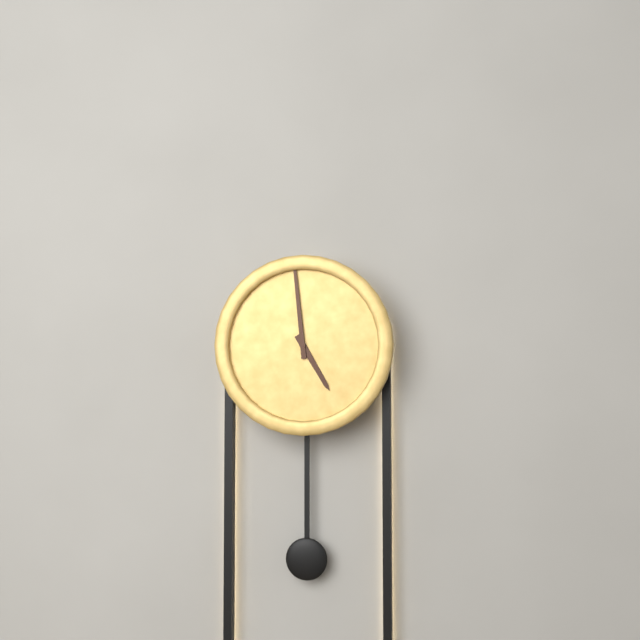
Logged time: **4:59**
